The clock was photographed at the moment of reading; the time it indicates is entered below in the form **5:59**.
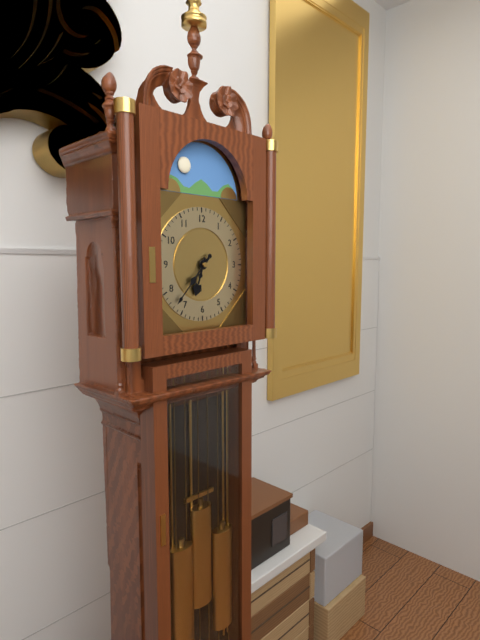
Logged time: **6:37**
